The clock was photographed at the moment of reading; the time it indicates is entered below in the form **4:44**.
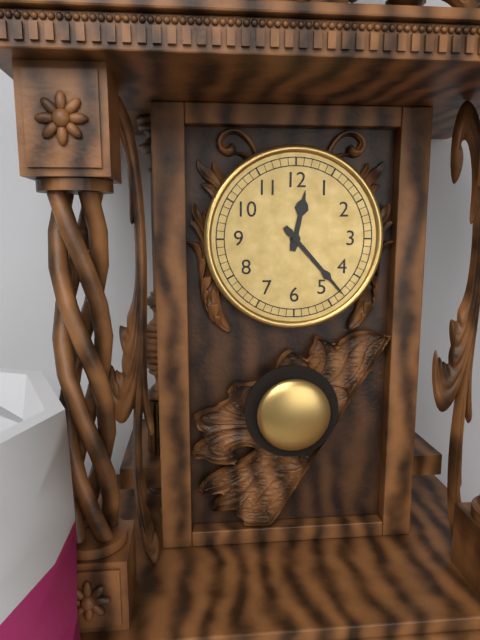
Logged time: **12:23**
